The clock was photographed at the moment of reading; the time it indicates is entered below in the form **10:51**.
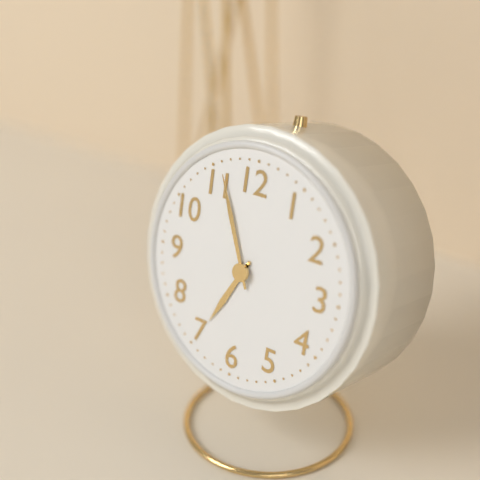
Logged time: **6:56**
